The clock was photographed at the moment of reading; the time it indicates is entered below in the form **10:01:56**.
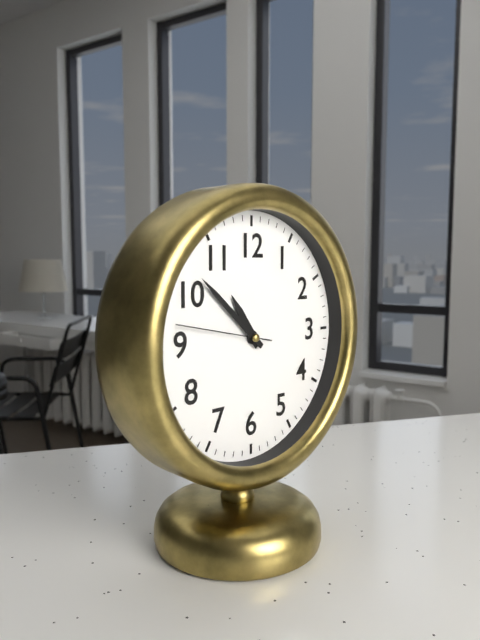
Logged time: **10:52:47**
